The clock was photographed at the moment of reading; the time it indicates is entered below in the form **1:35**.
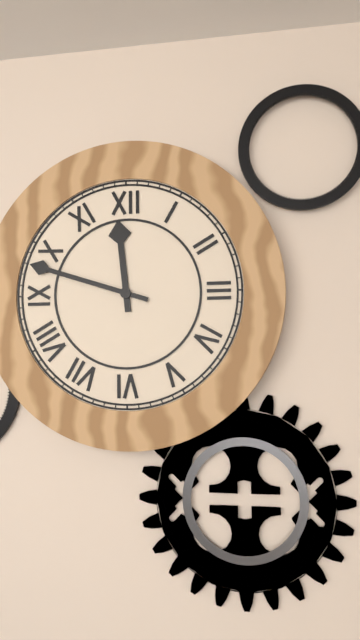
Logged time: **11:48**
